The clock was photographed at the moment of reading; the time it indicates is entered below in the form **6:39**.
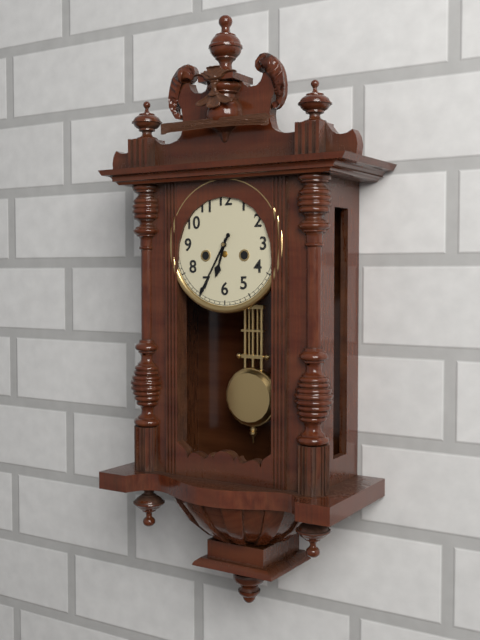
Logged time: **6:35**
